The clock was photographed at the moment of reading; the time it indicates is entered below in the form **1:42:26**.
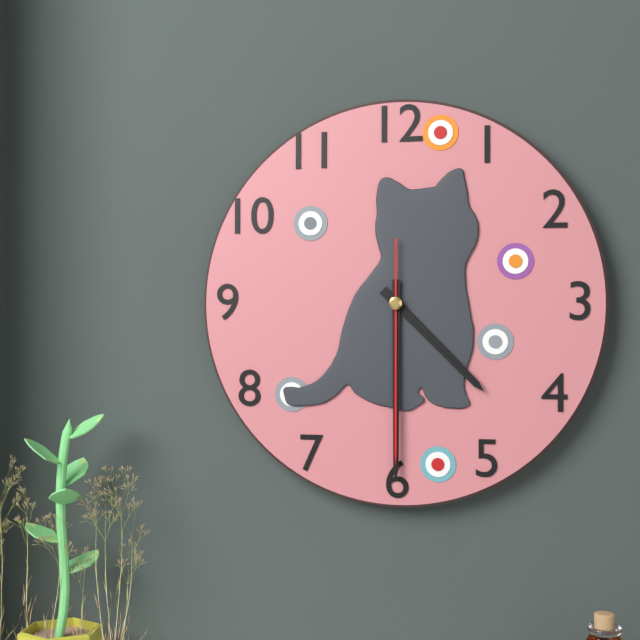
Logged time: **4:30:30**
